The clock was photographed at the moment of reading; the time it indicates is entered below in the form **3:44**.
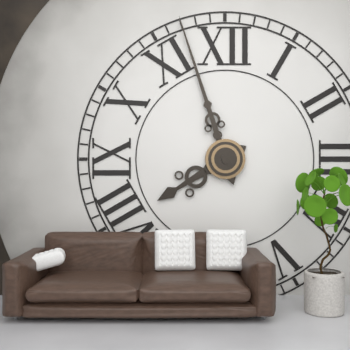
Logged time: **7:57**
